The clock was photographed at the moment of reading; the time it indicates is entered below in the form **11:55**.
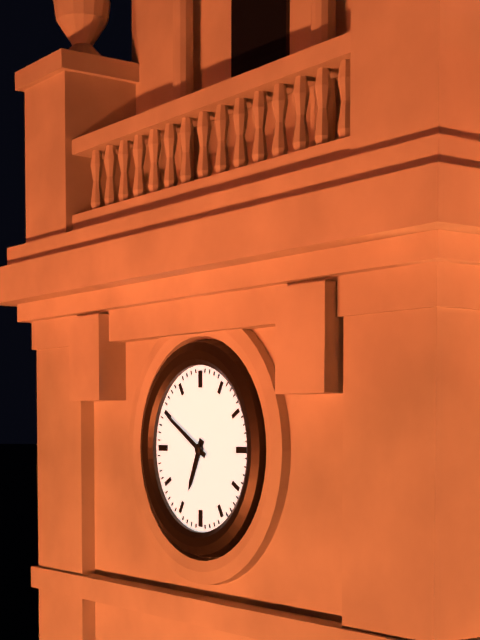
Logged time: **6:50**
